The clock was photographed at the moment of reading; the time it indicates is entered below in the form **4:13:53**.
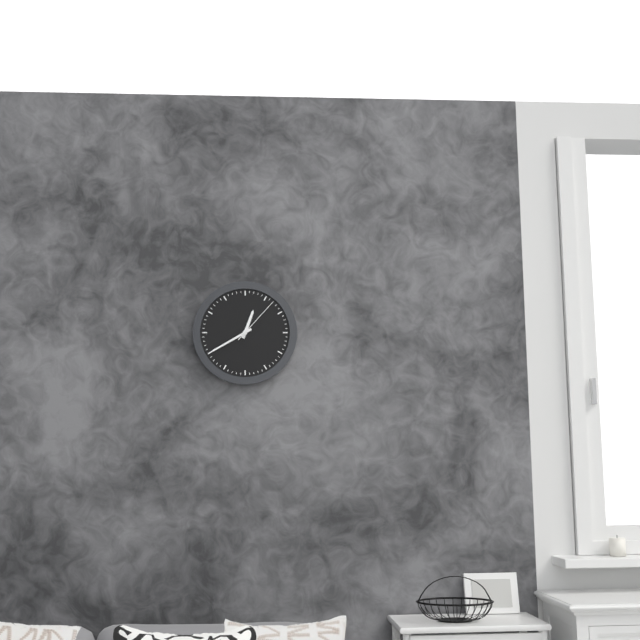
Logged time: **12:40:07**
